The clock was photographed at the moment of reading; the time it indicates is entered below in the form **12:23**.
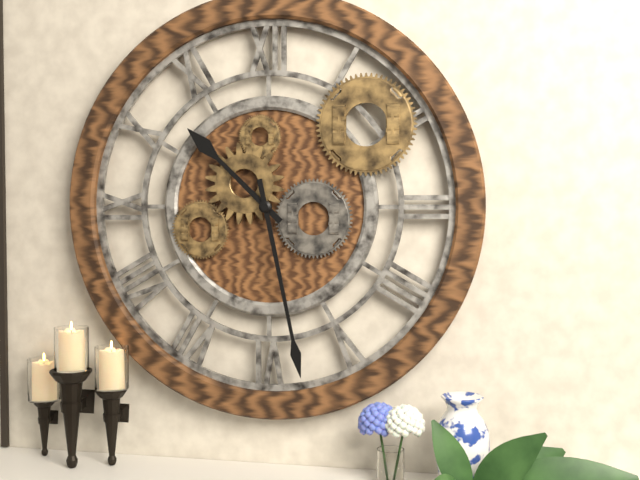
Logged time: **10:28**
